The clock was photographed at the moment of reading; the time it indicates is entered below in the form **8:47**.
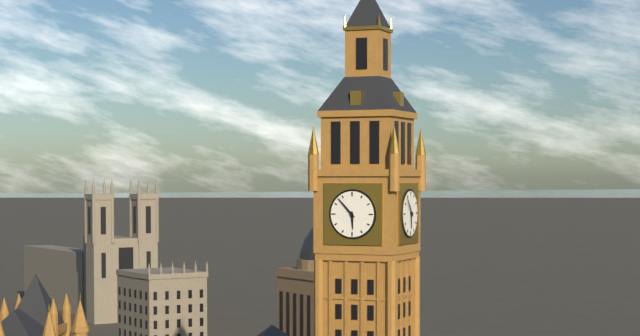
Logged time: **5:53**
